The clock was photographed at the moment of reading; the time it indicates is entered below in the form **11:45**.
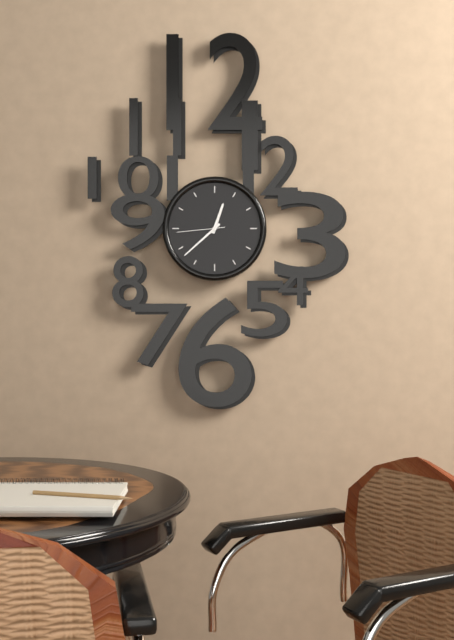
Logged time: **12:38**
